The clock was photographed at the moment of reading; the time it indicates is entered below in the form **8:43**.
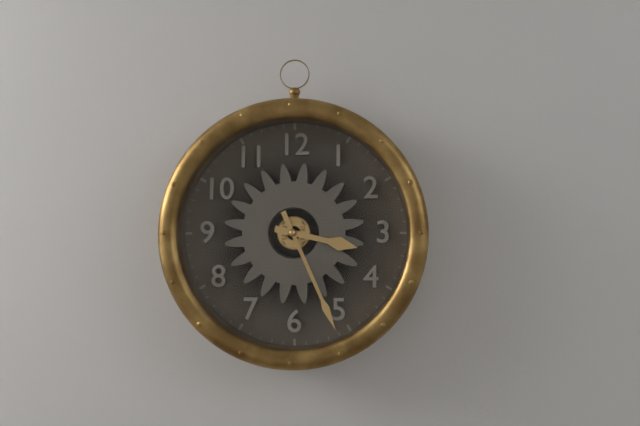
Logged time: **3:26**
